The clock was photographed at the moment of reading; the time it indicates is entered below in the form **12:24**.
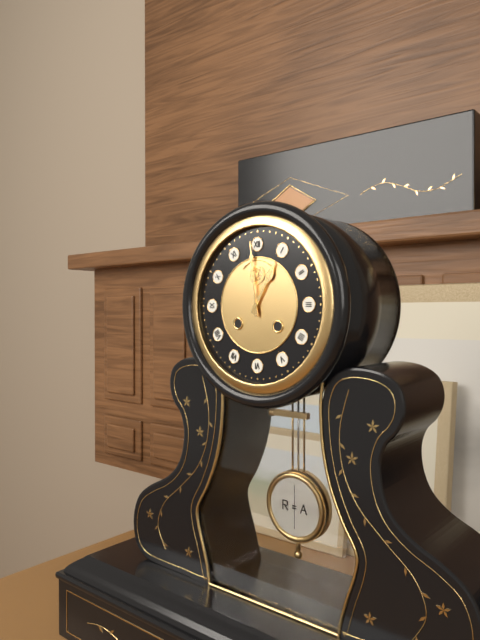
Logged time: **12:59**
